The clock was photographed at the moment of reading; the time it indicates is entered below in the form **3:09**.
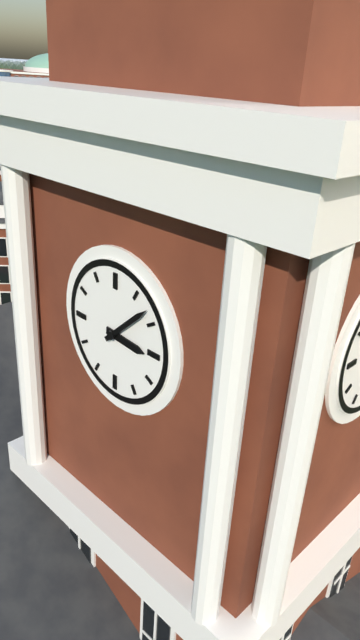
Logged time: **3:08**
